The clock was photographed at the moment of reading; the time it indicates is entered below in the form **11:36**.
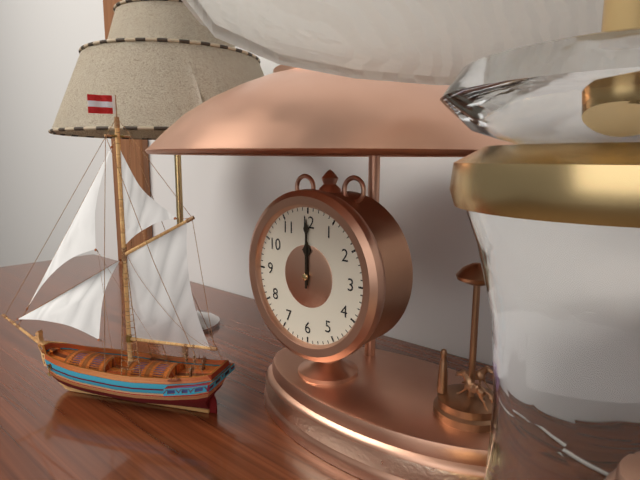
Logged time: **12:00**
